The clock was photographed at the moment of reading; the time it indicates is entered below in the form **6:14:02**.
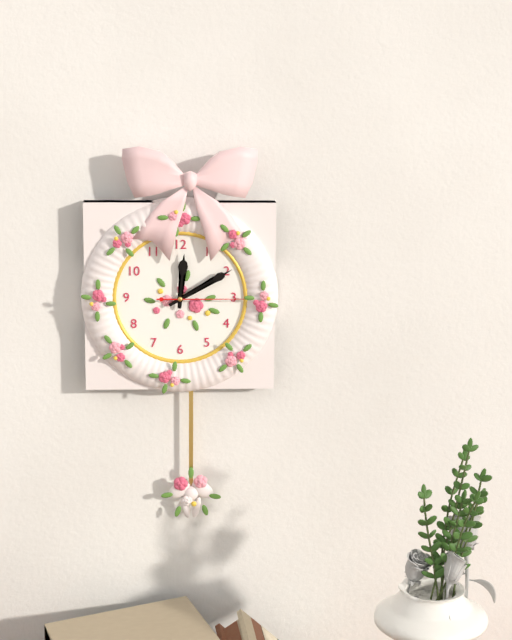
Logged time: **12:10:15**
